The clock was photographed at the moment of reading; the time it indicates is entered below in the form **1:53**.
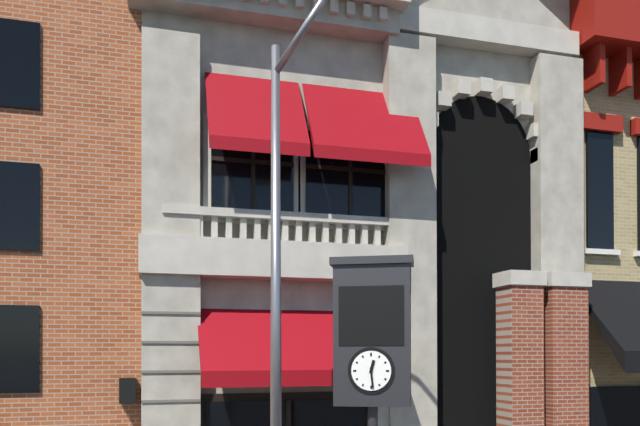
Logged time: **12:29**
